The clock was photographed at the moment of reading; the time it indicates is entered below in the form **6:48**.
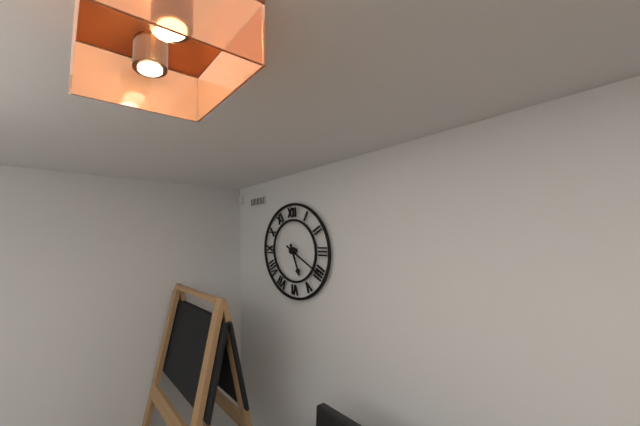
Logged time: **5:20**
